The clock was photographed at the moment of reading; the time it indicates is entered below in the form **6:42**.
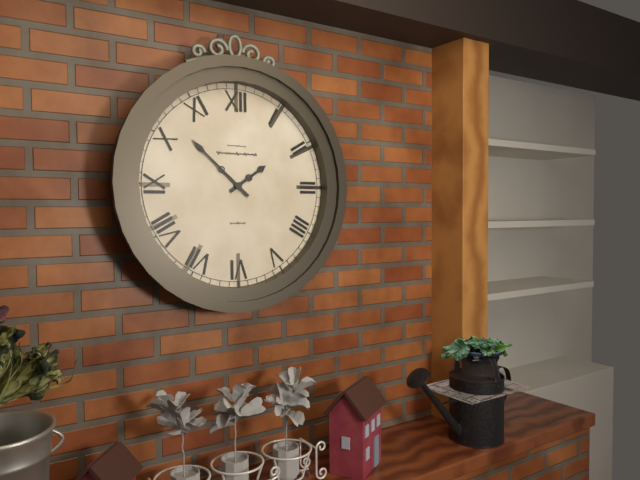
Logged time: **1:52**
